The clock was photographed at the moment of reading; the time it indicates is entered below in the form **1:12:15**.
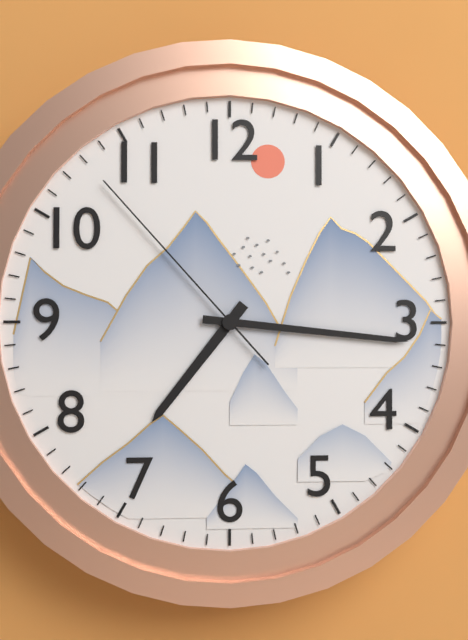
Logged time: **7:16:53**
